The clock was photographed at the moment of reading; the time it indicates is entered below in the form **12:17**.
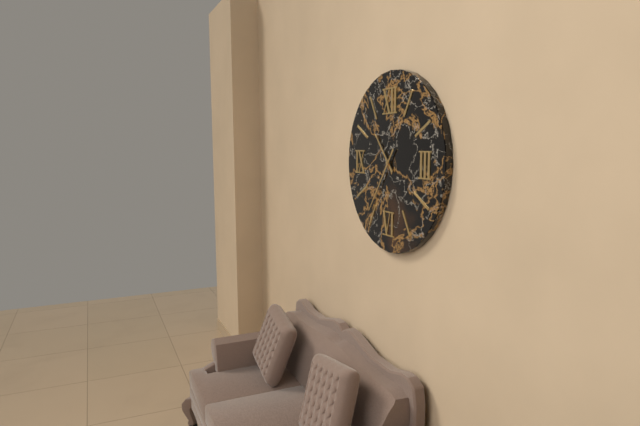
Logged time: **10:36**
